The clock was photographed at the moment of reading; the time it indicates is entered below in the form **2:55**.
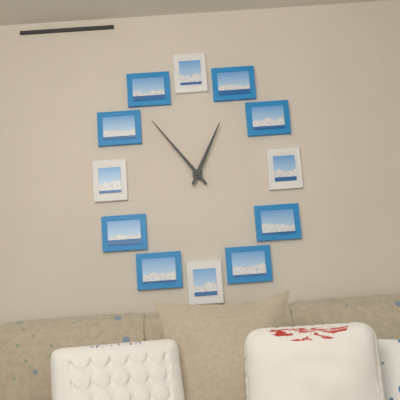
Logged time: **12:54**
